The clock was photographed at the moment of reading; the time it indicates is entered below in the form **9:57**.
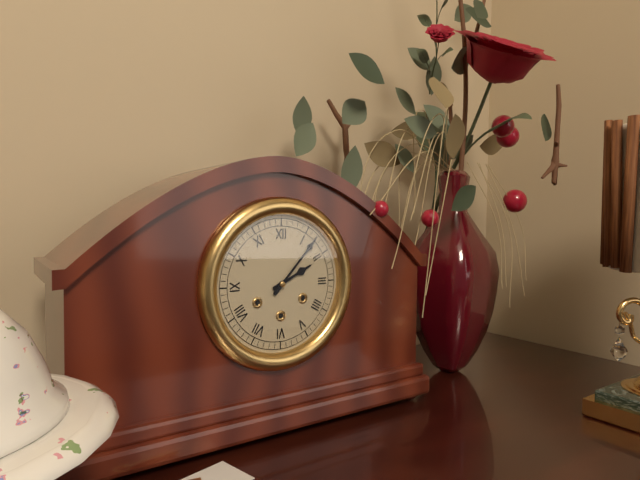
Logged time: **2:07**
